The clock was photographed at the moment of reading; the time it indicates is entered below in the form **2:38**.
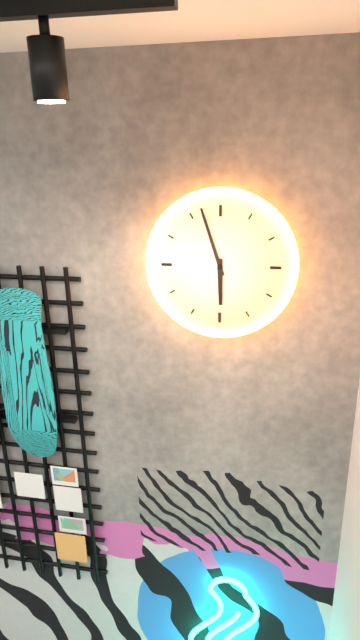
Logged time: **5:57**
